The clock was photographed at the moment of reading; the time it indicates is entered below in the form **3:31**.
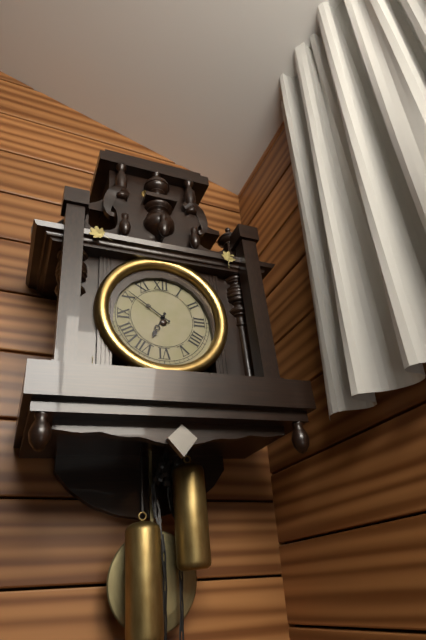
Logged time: **6:51**
